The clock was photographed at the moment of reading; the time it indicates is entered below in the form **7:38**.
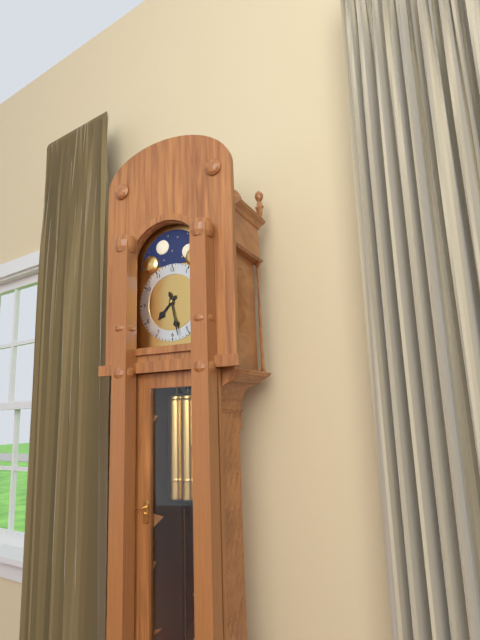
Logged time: **7:28**
